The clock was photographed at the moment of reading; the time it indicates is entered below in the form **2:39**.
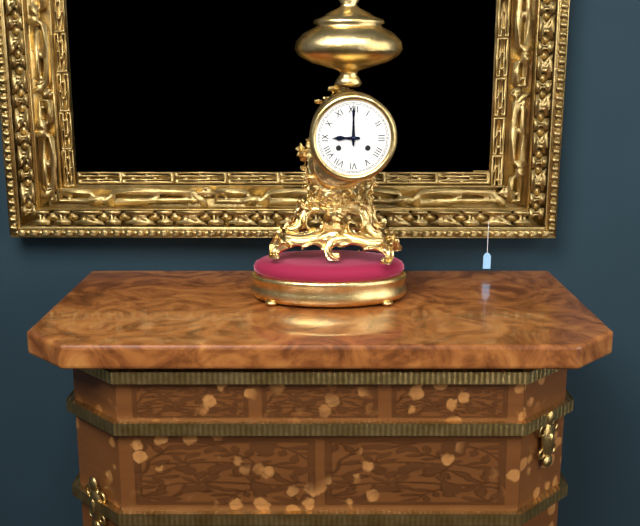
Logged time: **9:00**
